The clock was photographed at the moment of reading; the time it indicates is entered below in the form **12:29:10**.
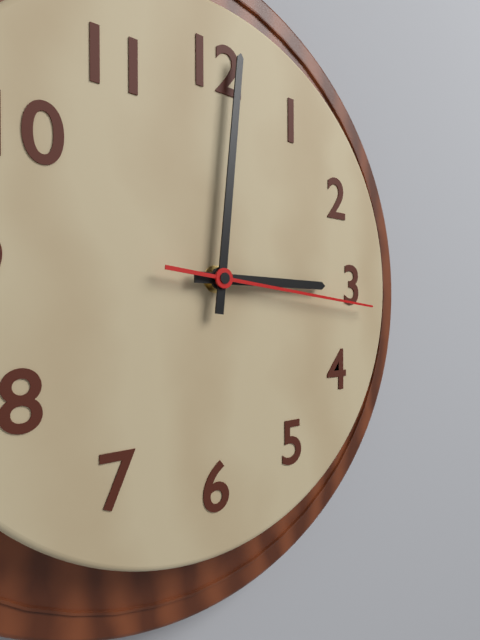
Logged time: **3:01:16**
